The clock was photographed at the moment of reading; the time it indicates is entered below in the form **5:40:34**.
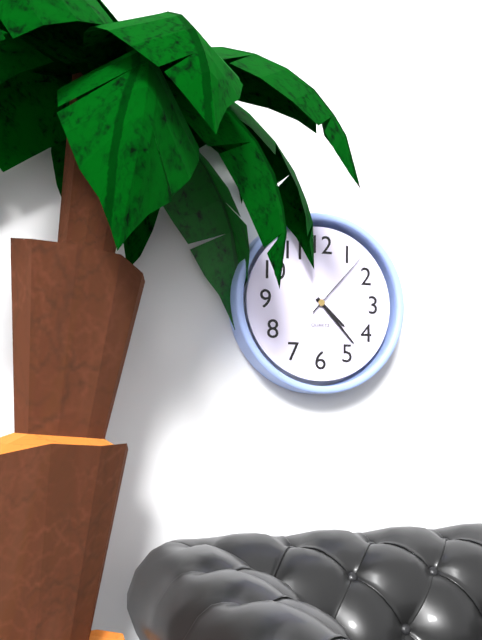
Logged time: **4:23:07**
